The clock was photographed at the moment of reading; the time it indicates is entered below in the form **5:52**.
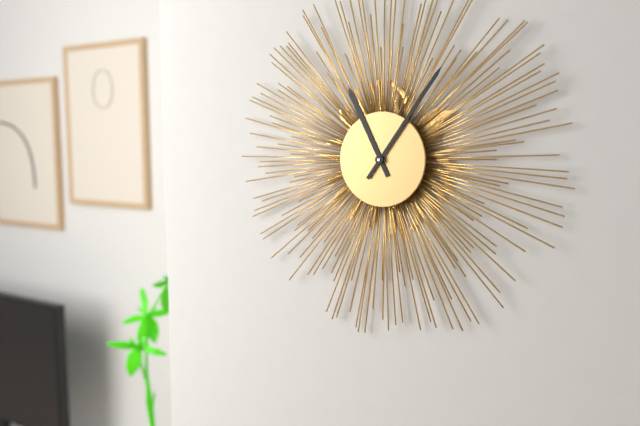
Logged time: **11:06**
